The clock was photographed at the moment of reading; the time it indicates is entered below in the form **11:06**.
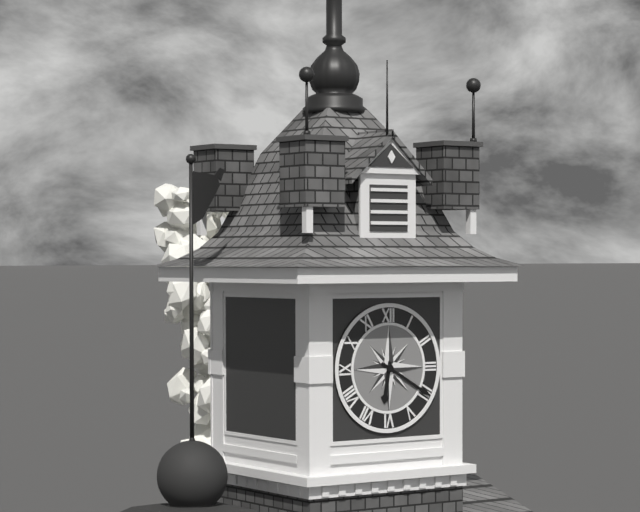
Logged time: **6:20**
